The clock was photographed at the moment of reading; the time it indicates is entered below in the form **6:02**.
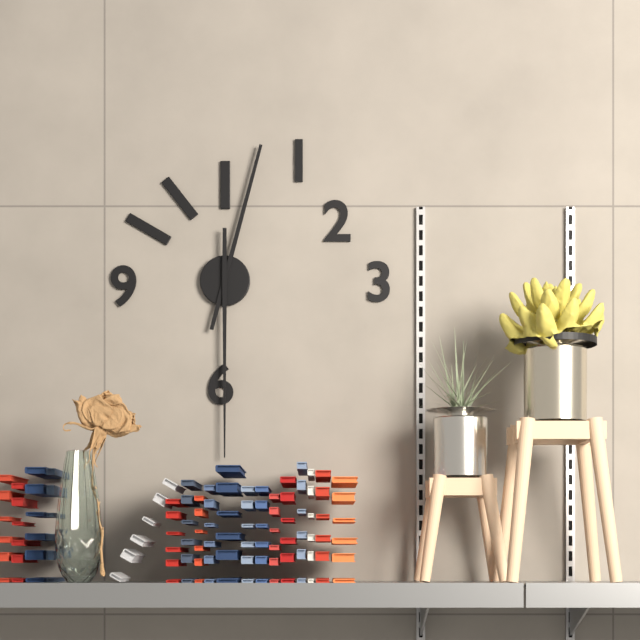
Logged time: **12:30**
